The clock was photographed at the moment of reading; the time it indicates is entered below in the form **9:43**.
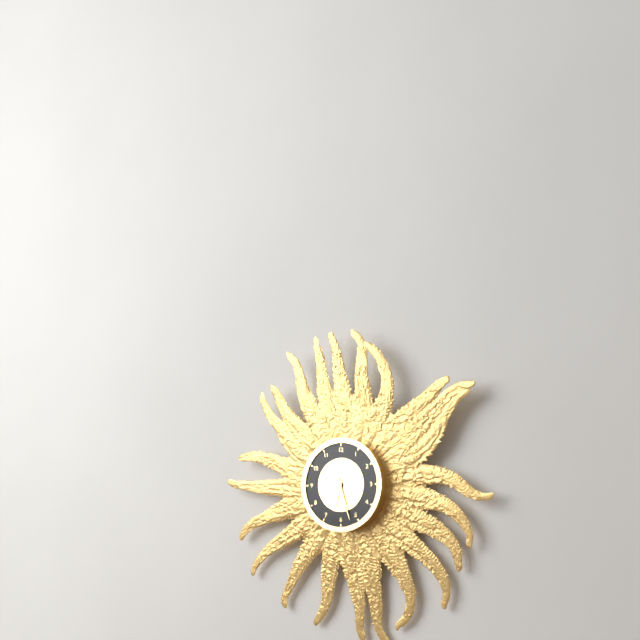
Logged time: **6:27**
